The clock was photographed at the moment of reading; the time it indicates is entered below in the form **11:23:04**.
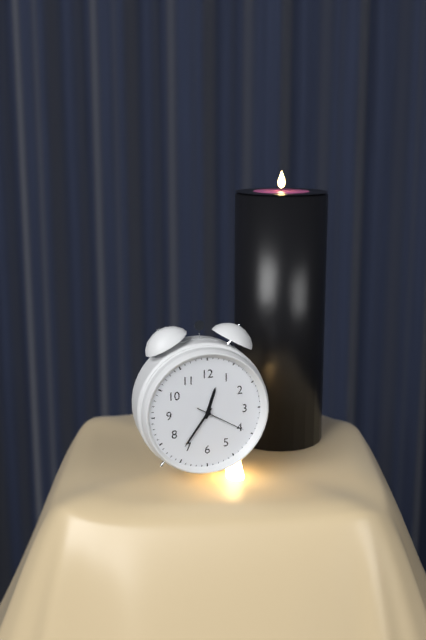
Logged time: **12:36:20**
